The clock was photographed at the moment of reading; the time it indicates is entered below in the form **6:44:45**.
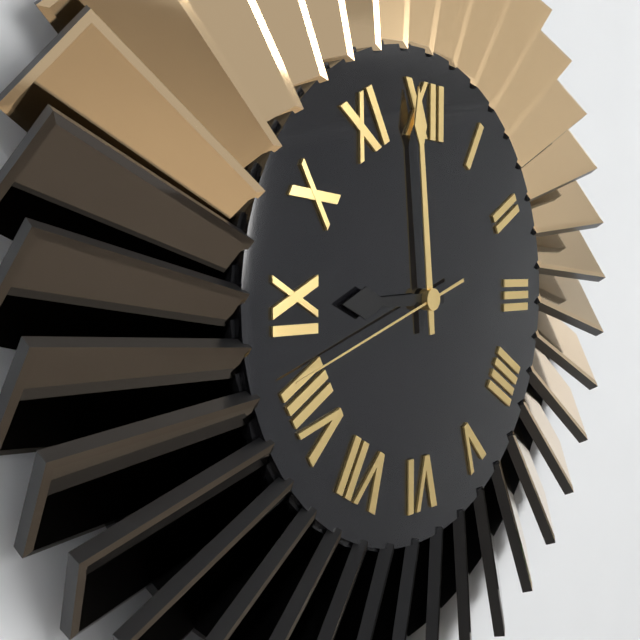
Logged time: **8:59:42**
